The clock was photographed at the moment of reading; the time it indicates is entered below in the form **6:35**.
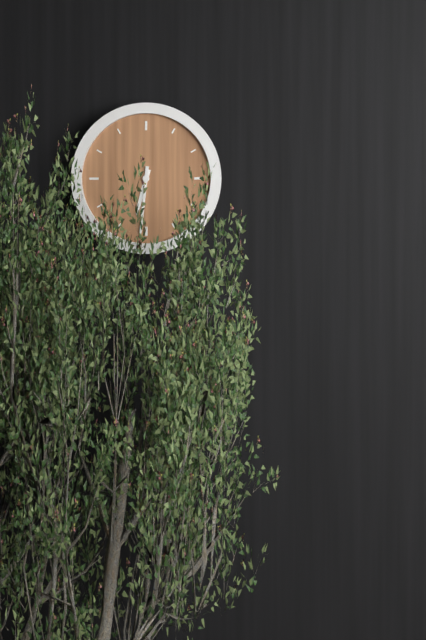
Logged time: **6:31**
